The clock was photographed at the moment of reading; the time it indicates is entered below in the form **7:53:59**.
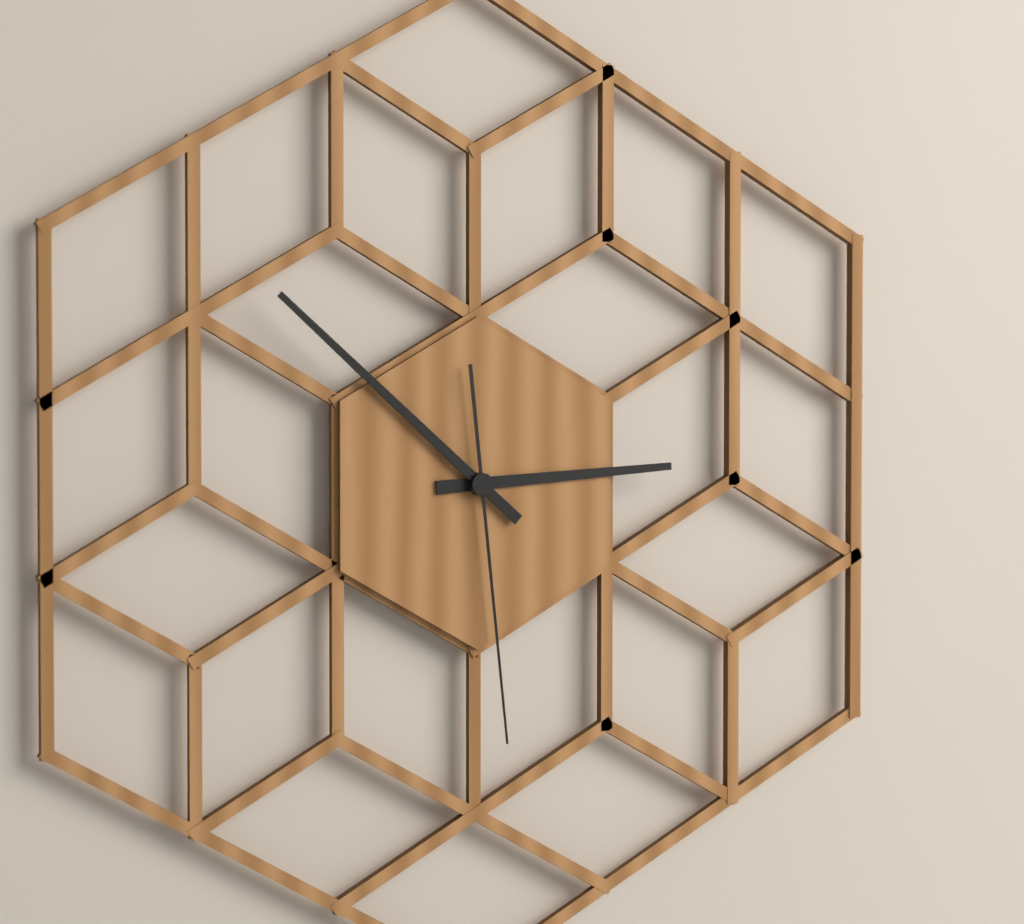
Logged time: **2:52:29**
